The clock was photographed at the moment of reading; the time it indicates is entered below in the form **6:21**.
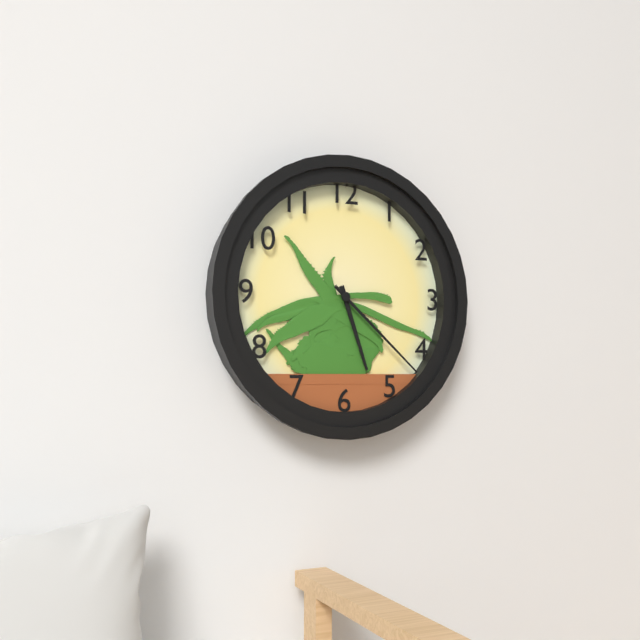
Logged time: **5:22**
